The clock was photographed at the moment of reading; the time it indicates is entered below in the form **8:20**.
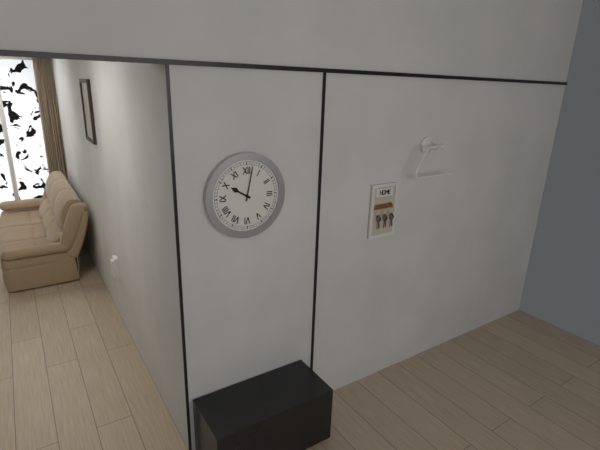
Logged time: **10:02**
